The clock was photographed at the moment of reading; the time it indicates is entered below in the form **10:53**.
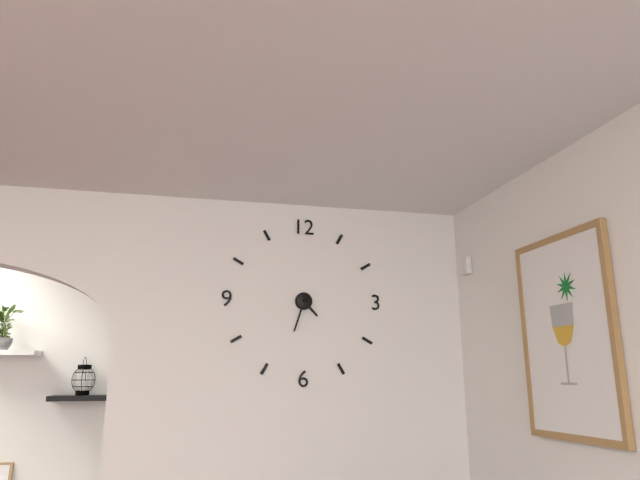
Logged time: **4:33**
